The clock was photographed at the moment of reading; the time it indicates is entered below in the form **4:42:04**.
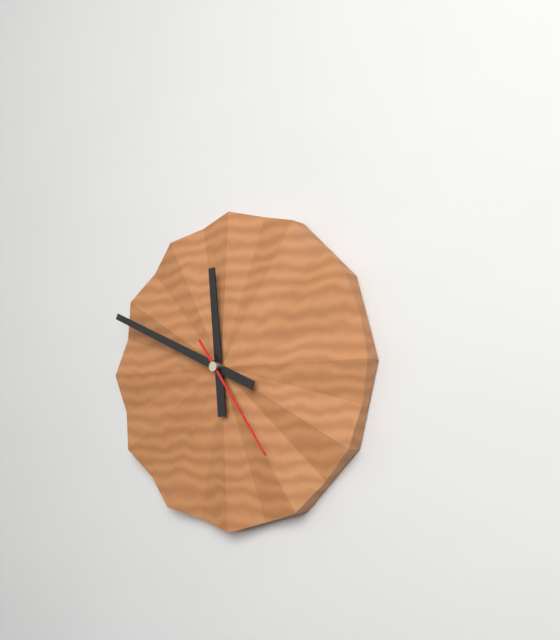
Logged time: **11:49:24**
